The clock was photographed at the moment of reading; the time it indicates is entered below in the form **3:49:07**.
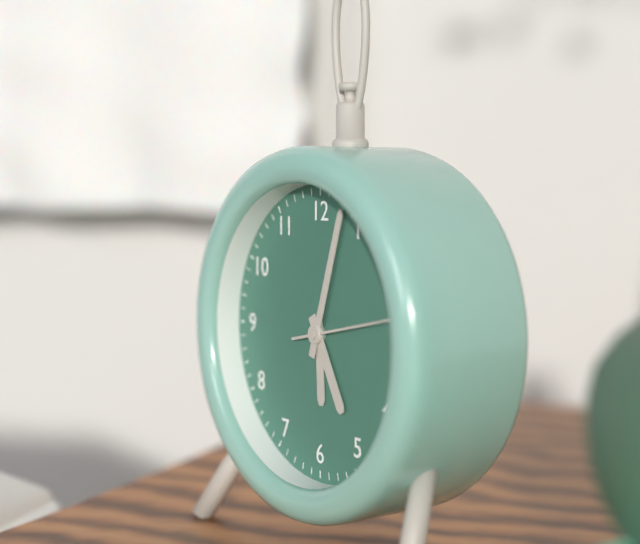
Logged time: **5:03:13**
